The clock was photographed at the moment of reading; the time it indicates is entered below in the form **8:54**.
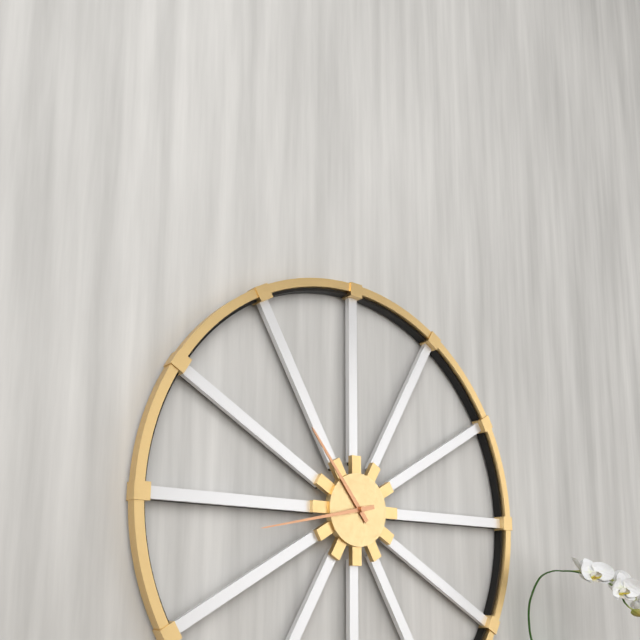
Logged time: **10:43**
